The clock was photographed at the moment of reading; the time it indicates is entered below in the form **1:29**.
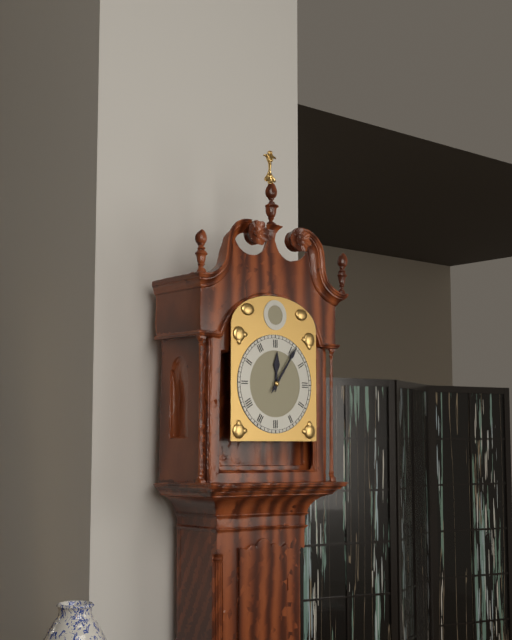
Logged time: **12:06**
